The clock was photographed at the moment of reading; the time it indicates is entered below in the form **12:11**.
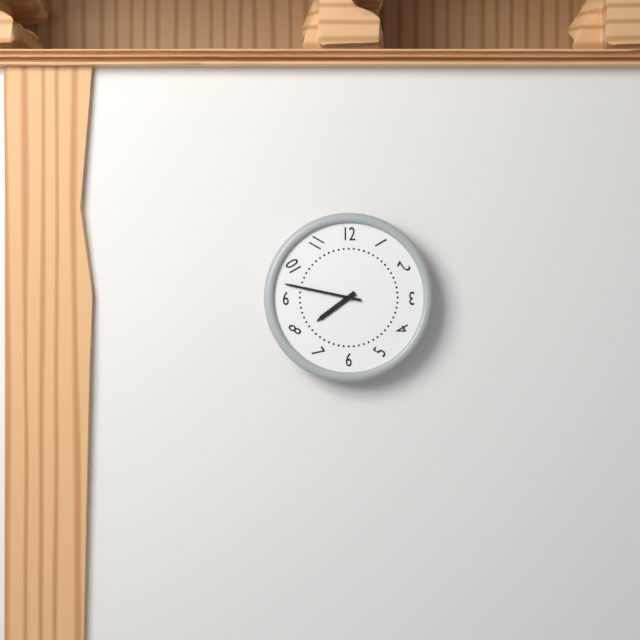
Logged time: **7:47**
